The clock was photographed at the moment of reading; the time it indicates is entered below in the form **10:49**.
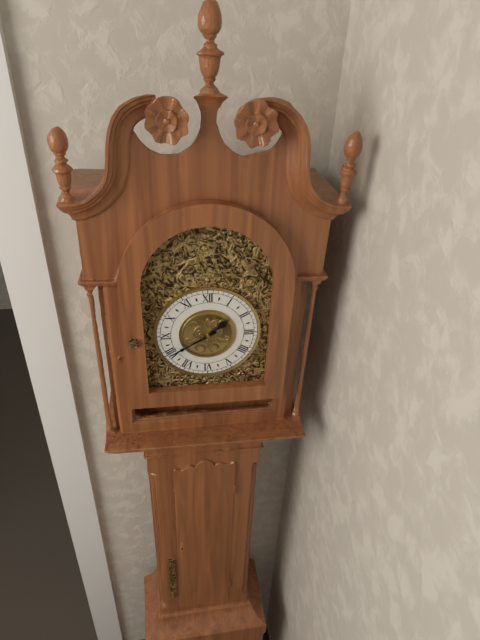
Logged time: **1:40**
